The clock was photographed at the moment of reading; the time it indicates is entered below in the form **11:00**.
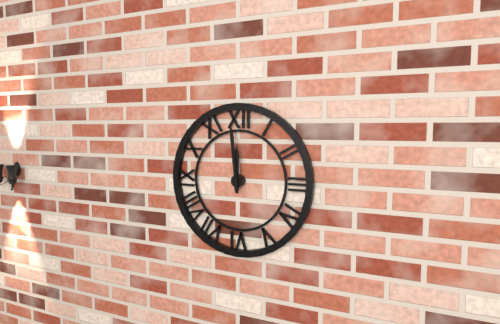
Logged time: **11:59**
